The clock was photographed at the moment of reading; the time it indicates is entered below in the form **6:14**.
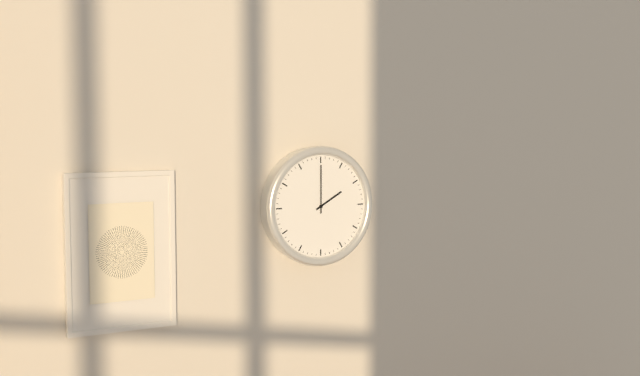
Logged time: **2:00**
